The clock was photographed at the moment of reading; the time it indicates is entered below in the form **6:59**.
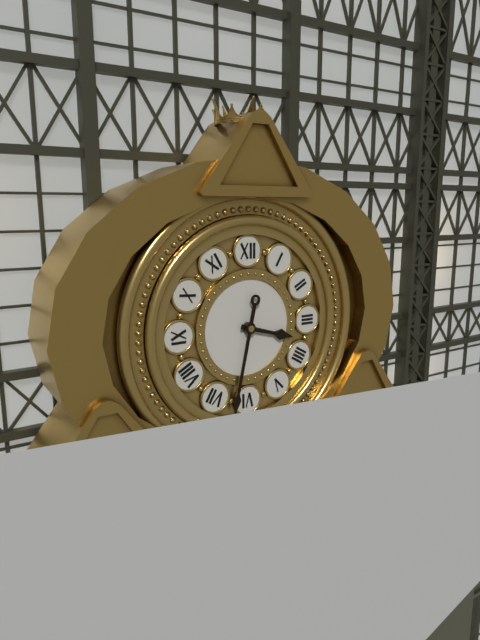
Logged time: **3:32**
